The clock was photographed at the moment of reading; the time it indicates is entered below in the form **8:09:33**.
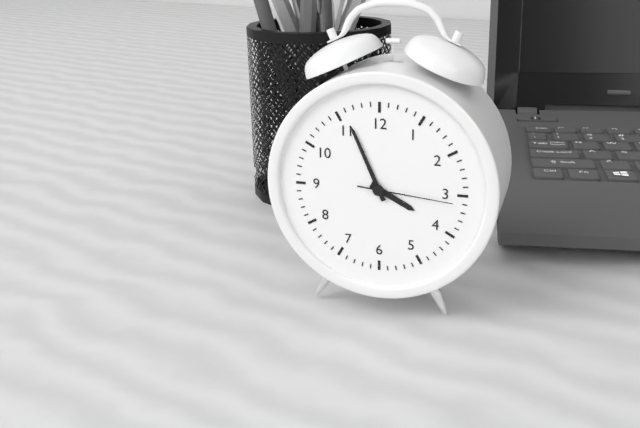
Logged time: **3:56:16**
